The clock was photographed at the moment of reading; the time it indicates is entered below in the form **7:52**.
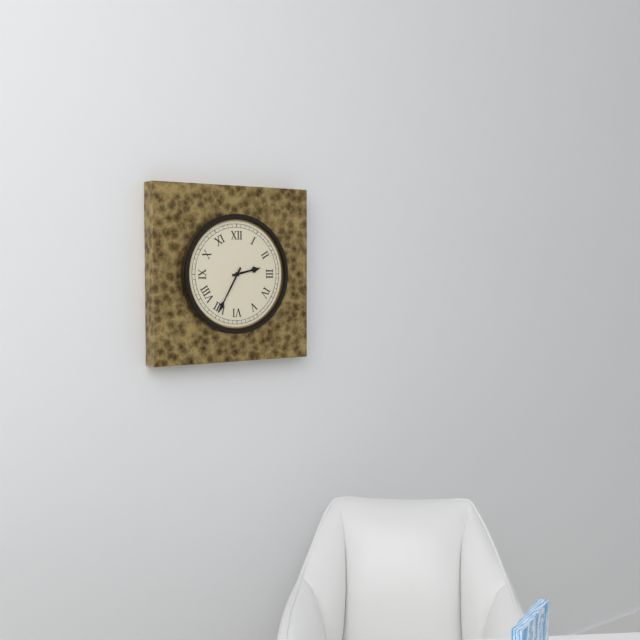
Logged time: **2:35**
